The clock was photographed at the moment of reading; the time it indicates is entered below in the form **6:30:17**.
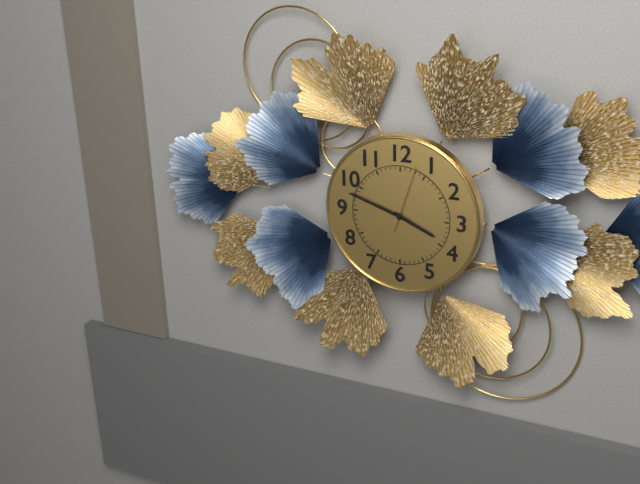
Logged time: **3:48:03**
